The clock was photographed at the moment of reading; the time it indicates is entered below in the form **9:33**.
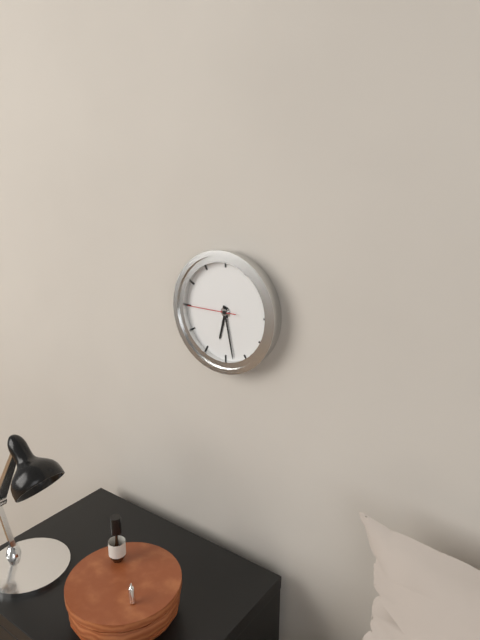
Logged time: **6:28**
